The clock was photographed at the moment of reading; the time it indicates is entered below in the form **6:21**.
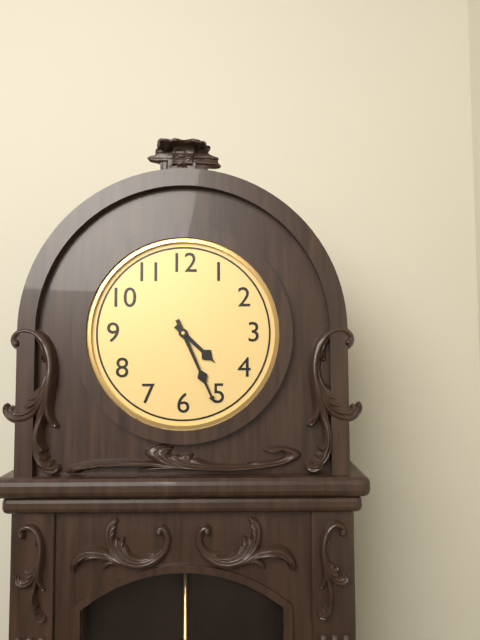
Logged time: **4:26**
